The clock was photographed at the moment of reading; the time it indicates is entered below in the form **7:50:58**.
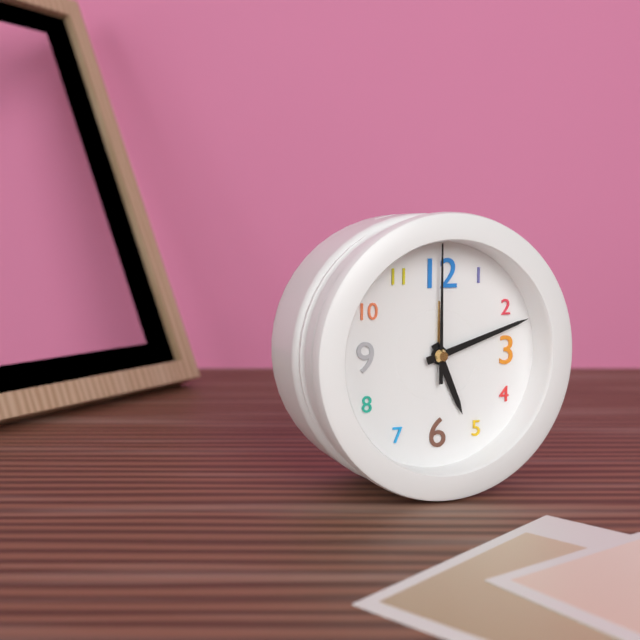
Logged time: **5:12:00**
